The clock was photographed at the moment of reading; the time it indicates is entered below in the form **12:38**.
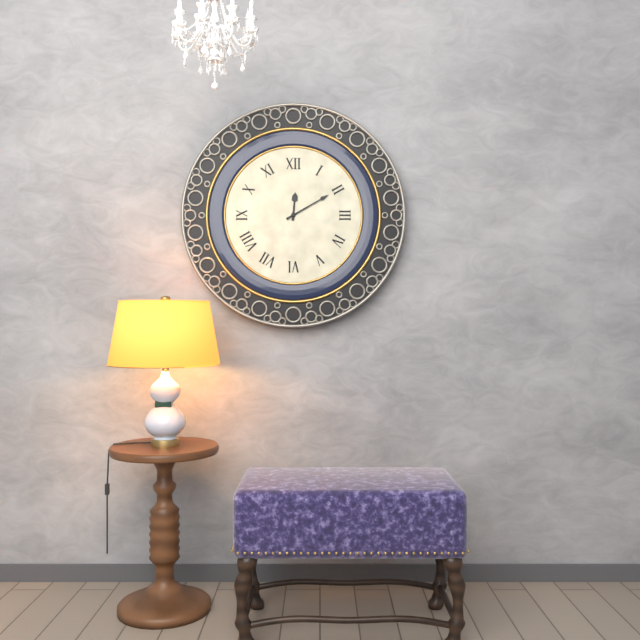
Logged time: **12:10**
